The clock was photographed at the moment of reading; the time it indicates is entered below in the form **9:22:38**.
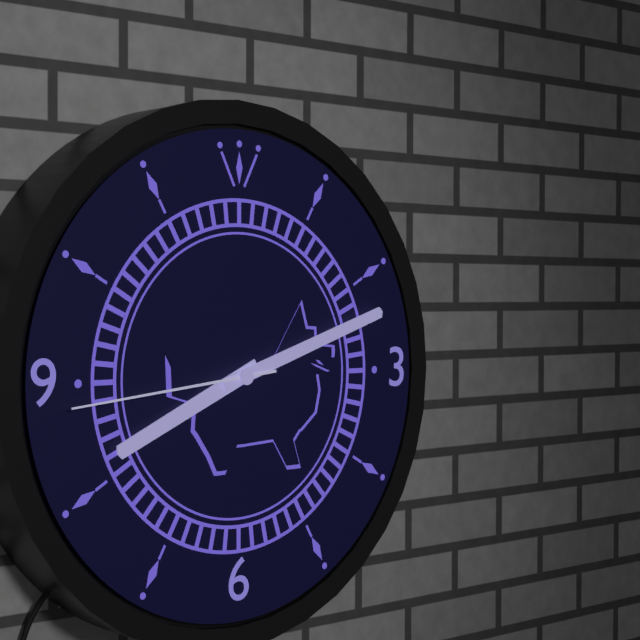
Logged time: **8:12:44**
